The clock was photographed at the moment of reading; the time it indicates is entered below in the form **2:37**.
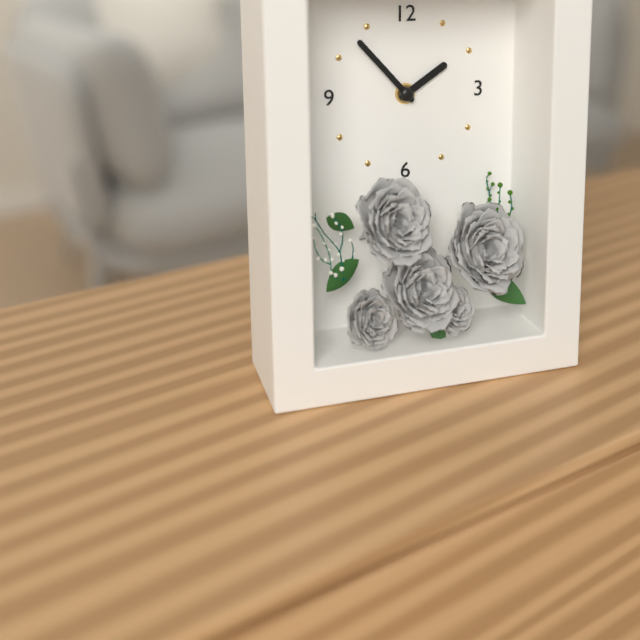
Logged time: **1:53**
